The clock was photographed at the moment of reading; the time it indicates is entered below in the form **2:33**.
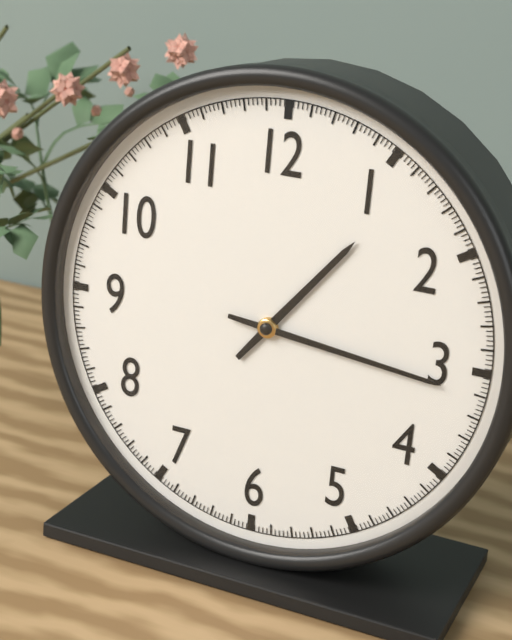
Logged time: **1:16**
